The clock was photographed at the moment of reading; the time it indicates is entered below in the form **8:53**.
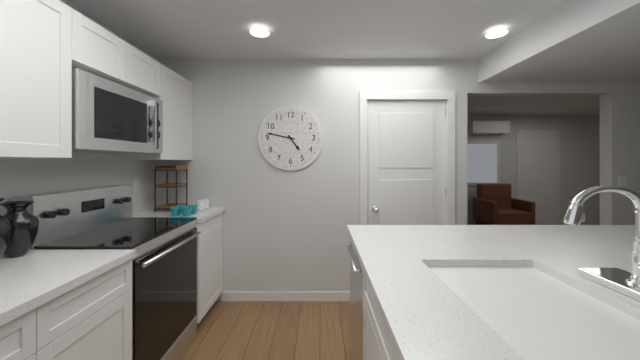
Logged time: **4:47**
